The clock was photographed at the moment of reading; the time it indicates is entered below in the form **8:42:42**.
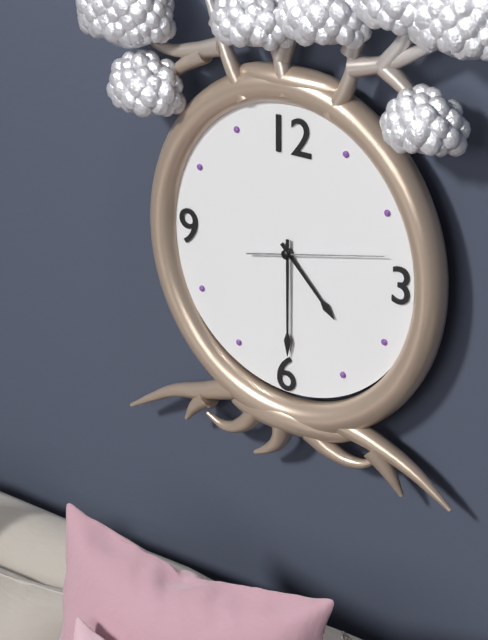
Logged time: **4:30:13**
